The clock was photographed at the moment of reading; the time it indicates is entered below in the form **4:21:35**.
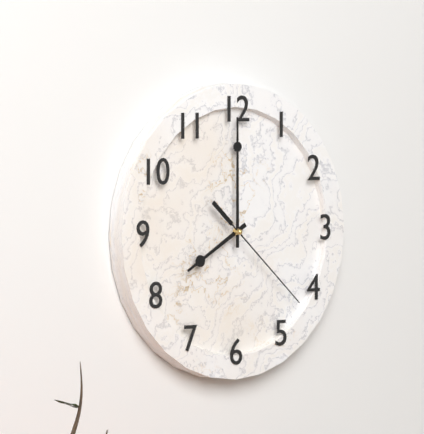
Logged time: **8:00:22**
